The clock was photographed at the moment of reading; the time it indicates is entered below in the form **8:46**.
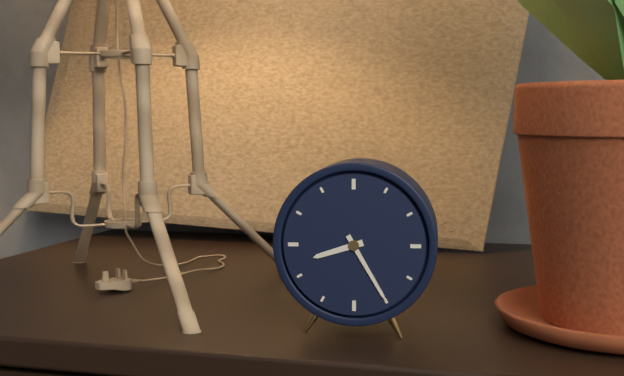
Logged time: **8:25**
